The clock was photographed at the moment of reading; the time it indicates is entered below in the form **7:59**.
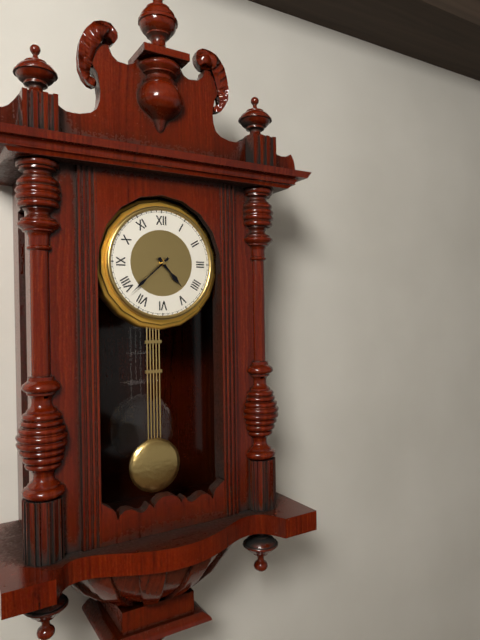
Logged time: **4:38**
